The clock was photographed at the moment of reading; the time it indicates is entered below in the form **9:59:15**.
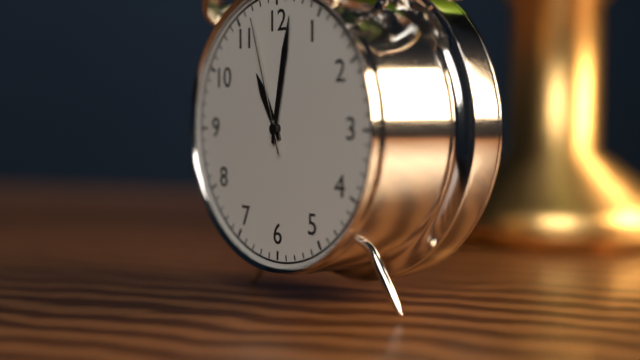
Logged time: **11:02:57**
